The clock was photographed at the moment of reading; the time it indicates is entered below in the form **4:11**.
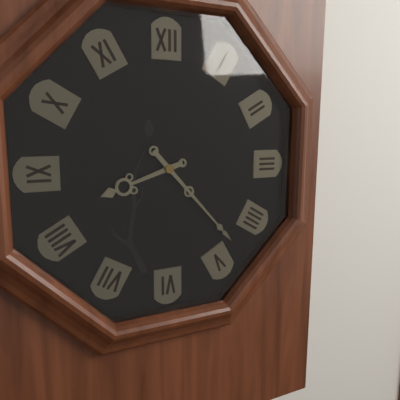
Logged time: **8:23**
